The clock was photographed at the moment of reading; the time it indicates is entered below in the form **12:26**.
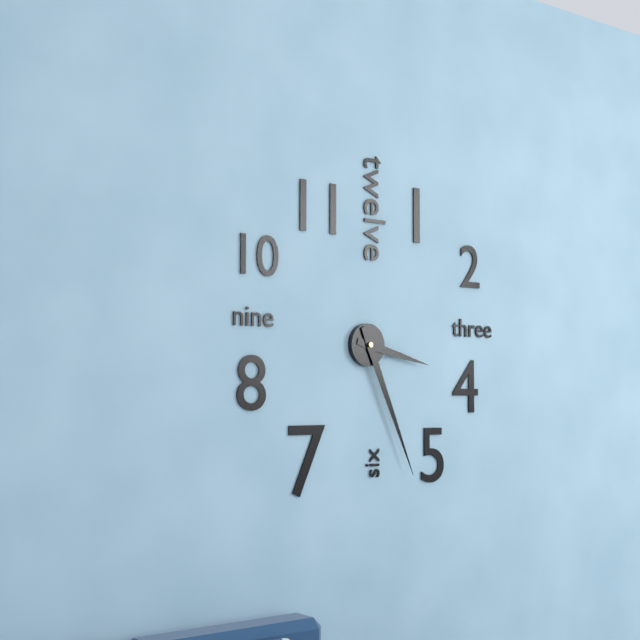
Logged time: **3:26**
